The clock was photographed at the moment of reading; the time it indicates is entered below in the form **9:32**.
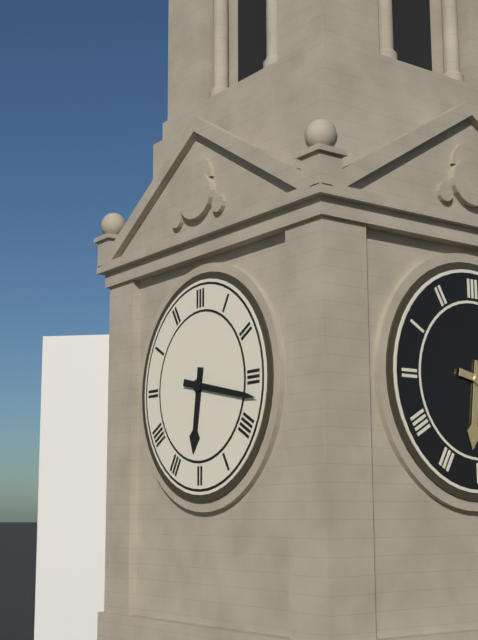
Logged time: **6:17**
